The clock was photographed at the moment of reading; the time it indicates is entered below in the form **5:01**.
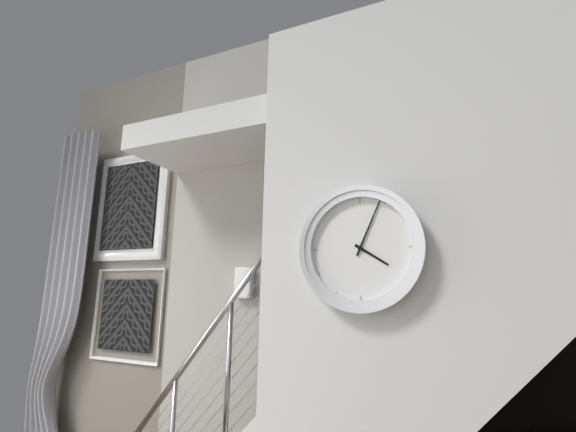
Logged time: **4:04**
